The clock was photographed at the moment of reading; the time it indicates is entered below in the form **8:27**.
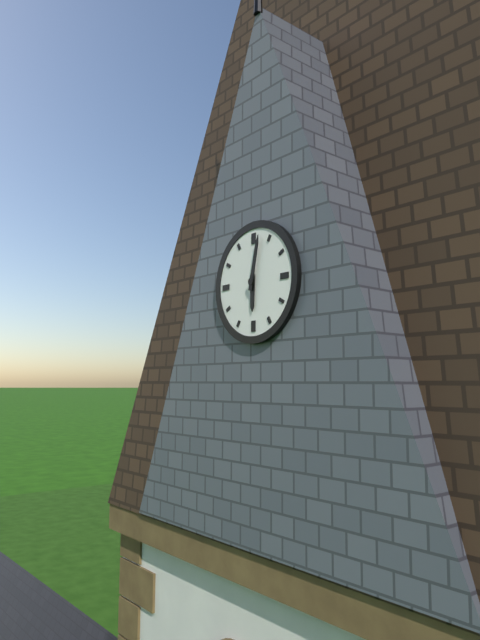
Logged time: **6:02**
